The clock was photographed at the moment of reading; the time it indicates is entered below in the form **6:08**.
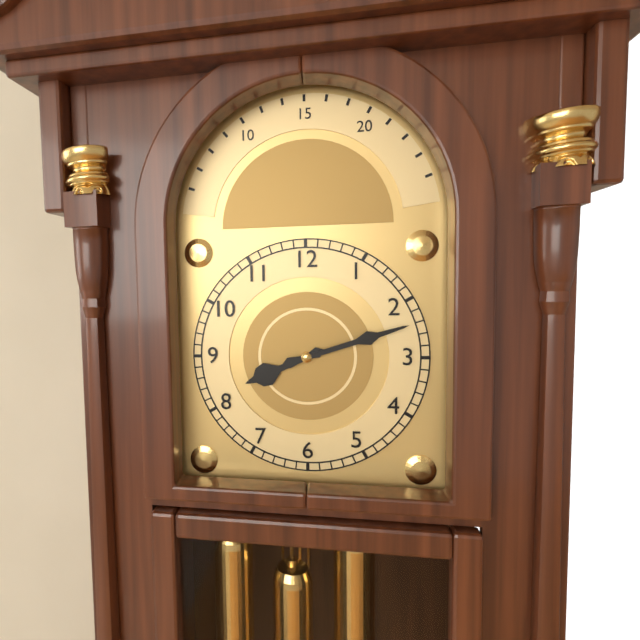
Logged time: **8:12**
